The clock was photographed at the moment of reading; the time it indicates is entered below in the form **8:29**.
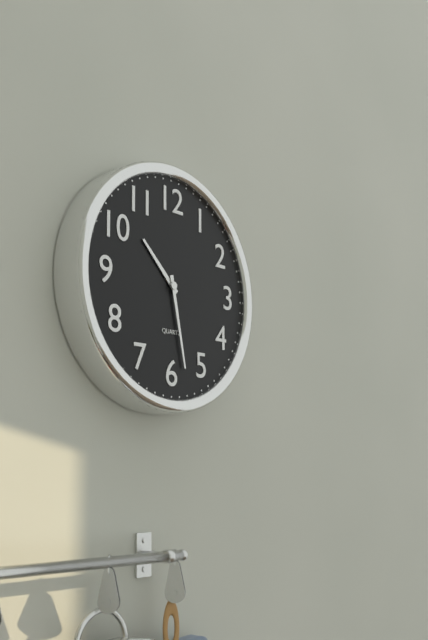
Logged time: **10:28**
